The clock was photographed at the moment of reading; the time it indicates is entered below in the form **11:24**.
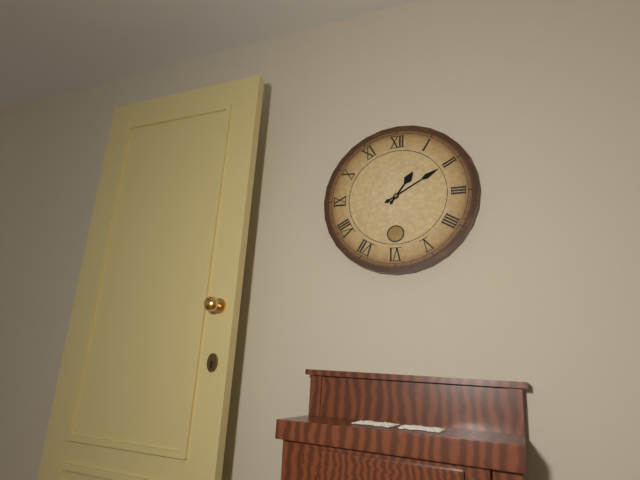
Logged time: **1:10**
